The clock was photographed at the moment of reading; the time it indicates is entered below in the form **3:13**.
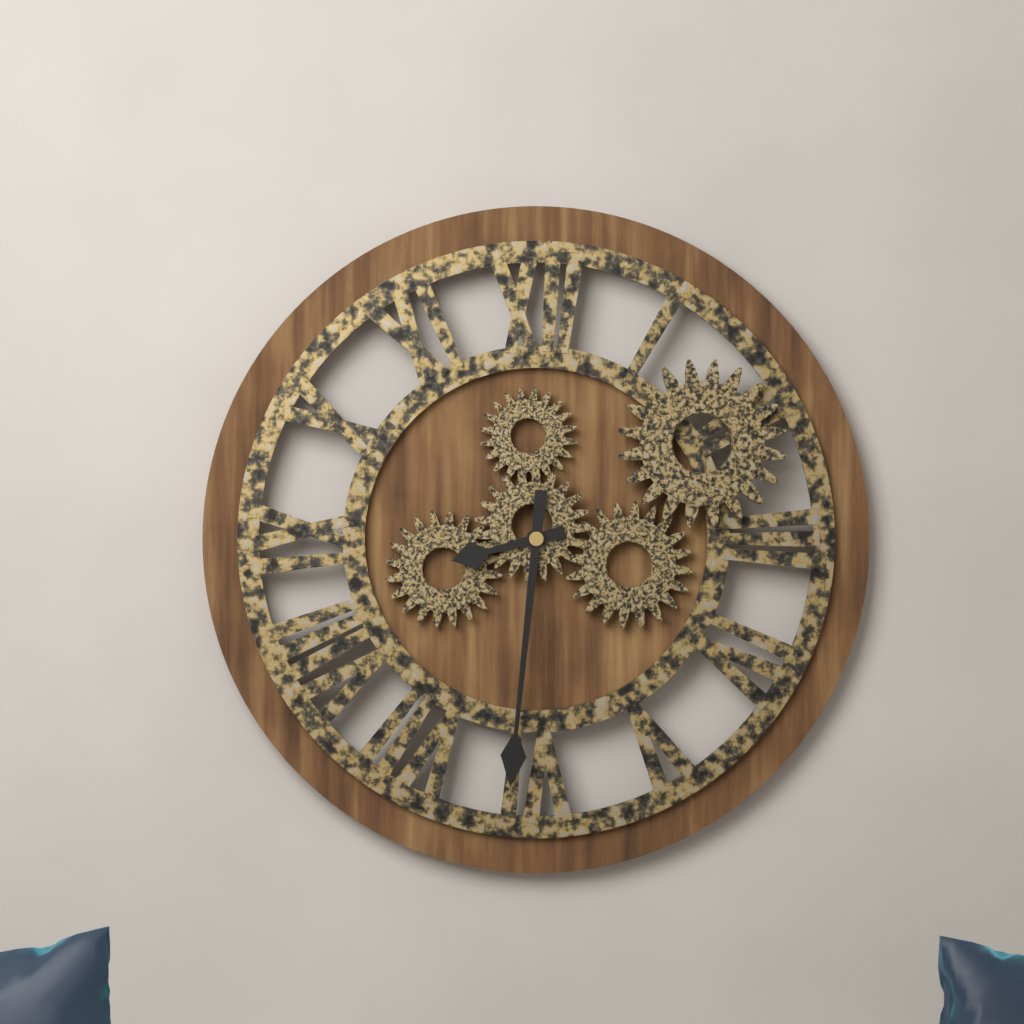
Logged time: **8:31**
